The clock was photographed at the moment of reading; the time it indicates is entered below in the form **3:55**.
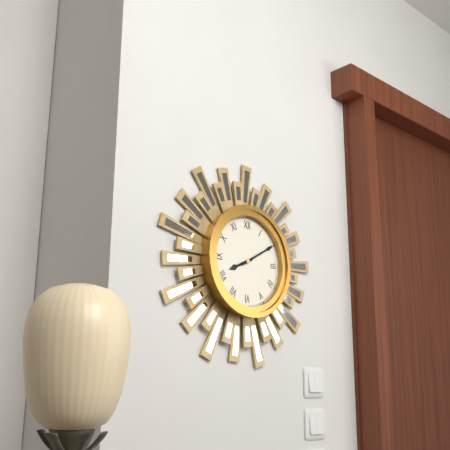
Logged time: **8:10**
